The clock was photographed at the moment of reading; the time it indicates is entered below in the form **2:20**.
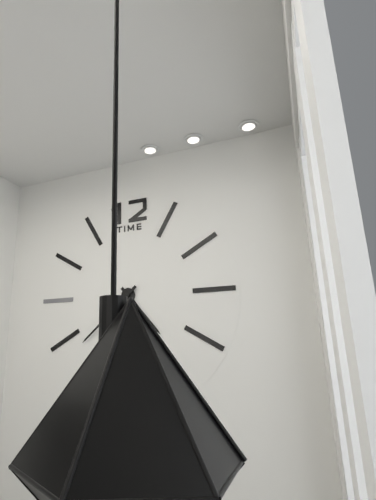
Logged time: **4:38**
